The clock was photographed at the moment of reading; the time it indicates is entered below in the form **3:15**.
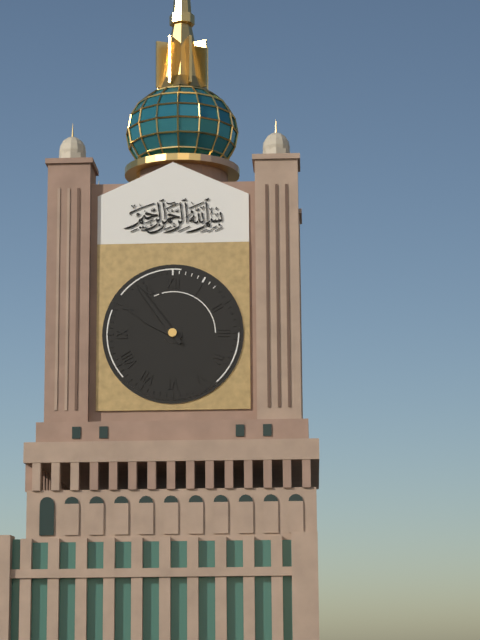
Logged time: **9:54**
